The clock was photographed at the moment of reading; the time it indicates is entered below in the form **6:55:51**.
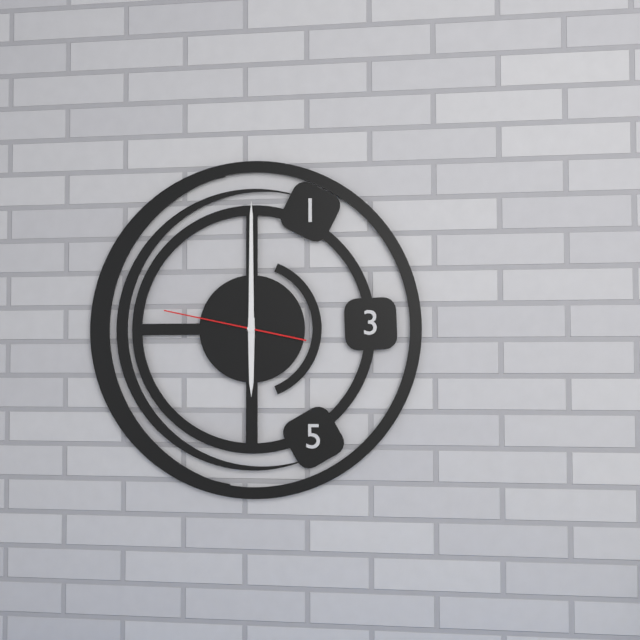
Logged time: **6:00:47**
